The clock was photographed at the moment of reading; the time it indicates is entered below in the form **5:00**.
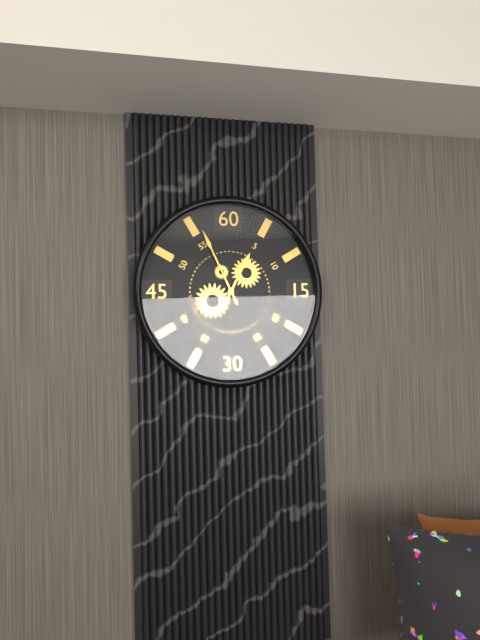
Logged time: **12:56**
